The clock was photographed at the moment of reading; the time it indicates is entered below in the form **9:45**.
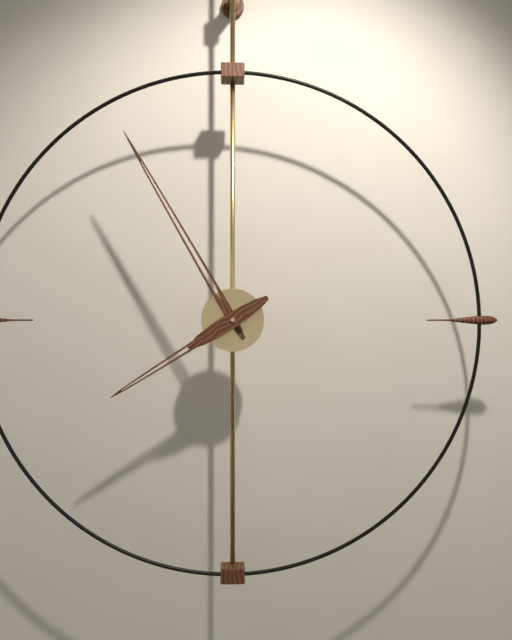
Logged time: **7:55**
